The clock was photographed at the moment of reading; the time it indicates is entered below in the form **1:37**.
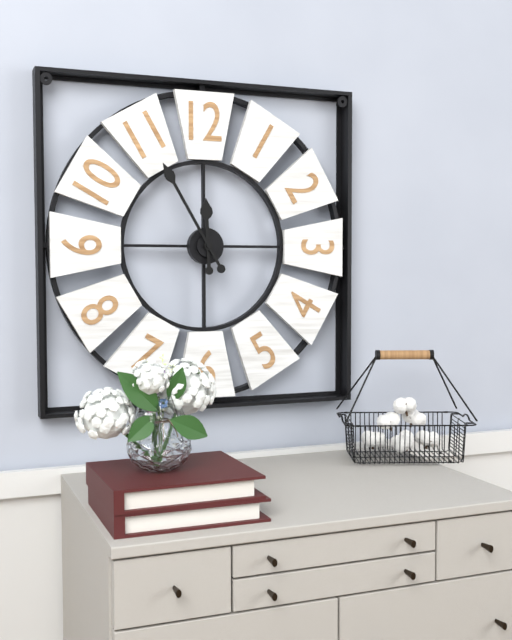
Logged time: **11:55**
